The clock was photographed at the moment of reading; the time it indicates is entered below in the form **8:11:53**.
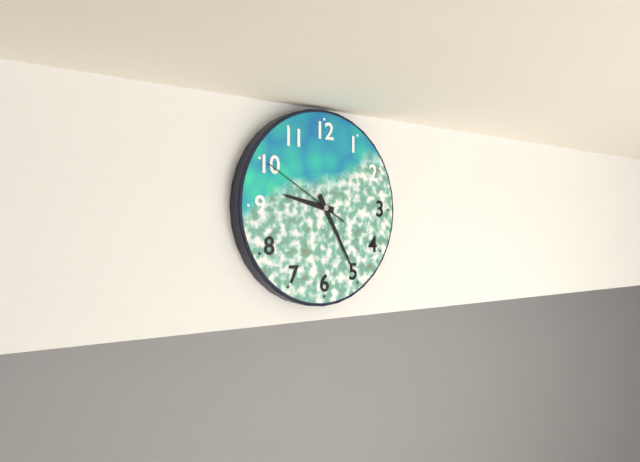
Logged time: **9:25:50**
